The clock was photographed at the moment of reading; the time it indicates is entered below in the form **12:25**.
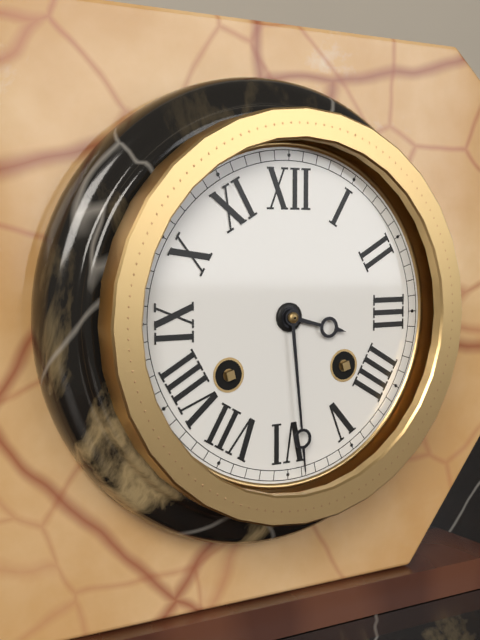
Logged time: **3:29**
